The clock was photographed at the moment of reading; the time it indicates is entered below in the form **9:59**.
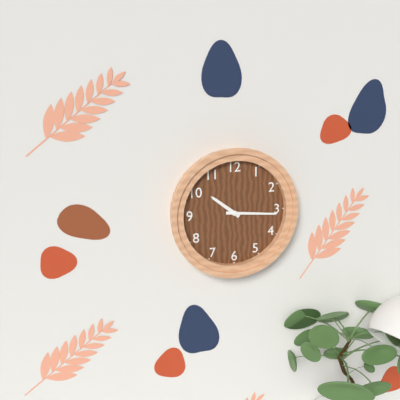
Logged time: **10:16**
